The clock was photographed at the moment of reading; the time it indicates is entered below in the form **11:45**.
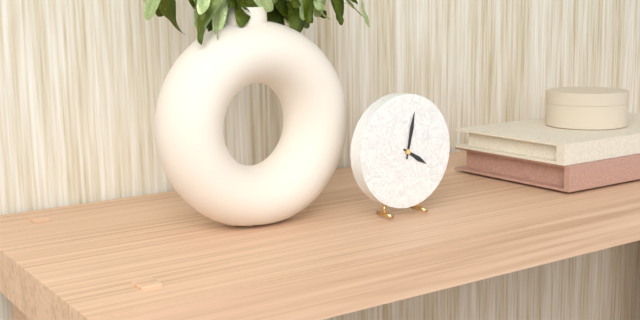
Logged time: **4:02**
